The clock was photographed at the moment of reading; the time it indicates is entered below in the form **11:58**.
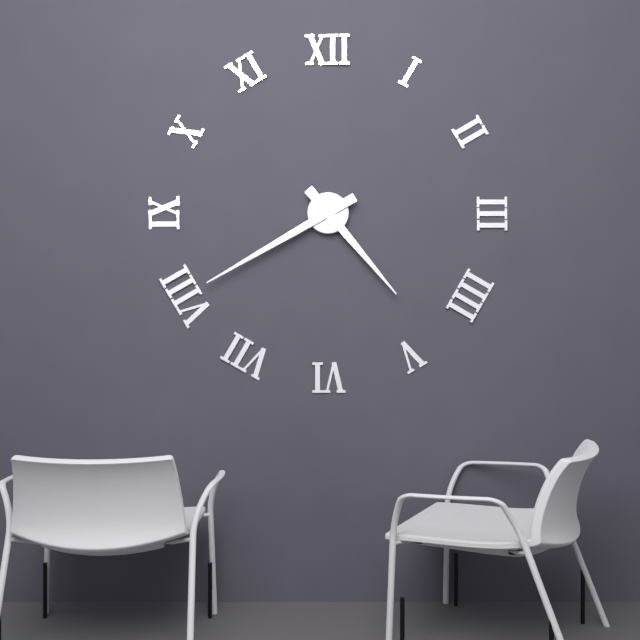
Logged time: **4:40**
